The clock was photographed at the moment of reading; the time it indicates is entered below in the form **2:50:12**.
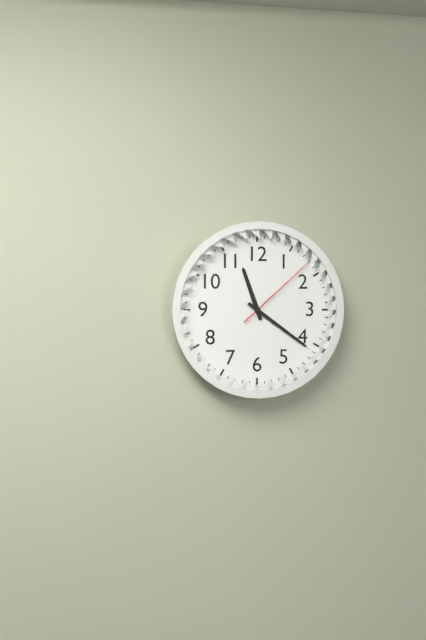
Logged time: **11:21:08**
